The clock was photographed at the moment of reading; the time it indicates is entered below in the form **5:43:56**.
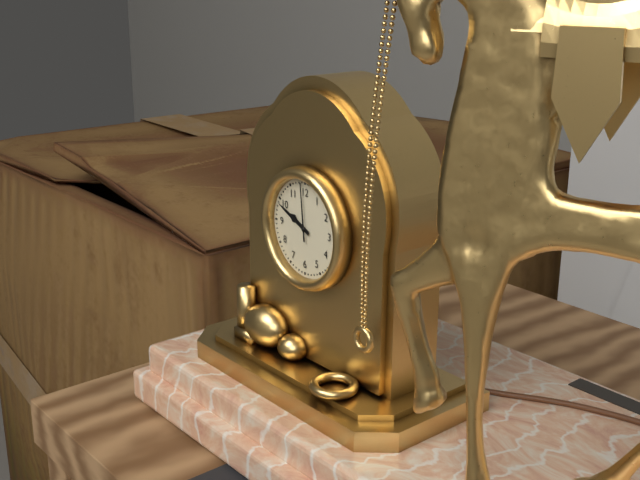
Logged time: **9:49:59**
